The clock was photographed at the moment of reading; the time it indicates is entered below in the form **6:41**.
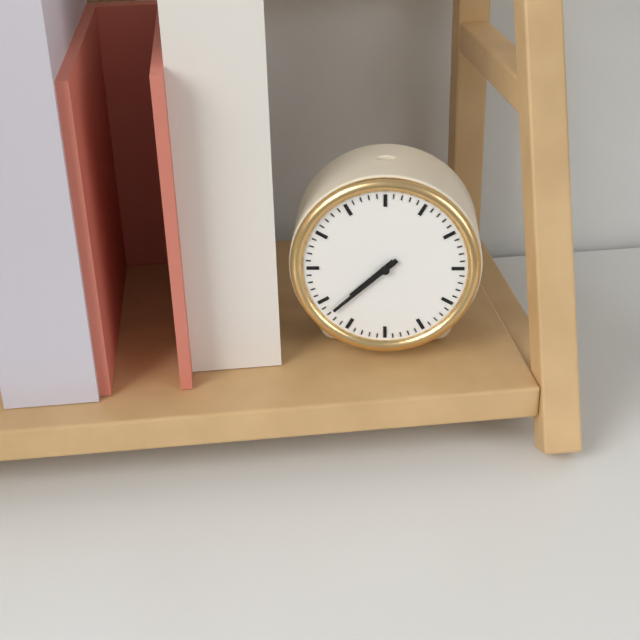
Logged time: **7:38**
